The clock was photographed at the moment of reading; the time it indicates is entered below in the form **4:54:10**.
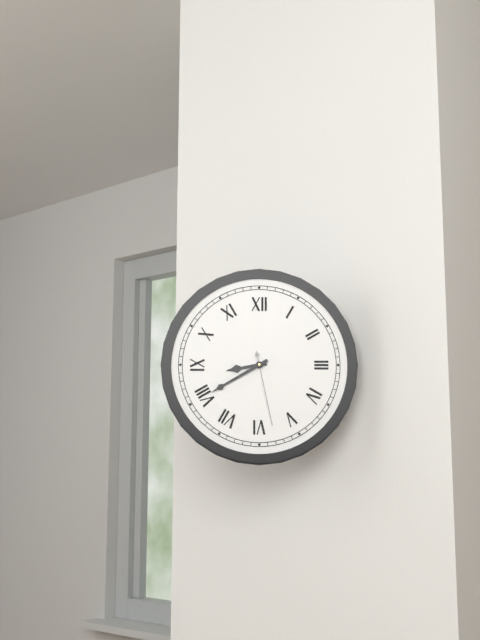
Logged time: **8:40:28**
